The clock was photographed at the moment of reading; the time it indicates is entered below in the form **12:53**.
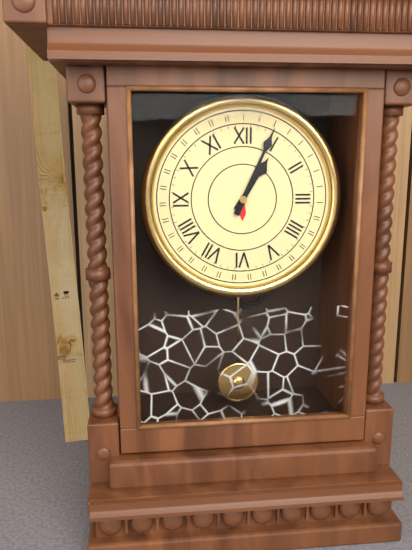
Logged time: **1:04**
